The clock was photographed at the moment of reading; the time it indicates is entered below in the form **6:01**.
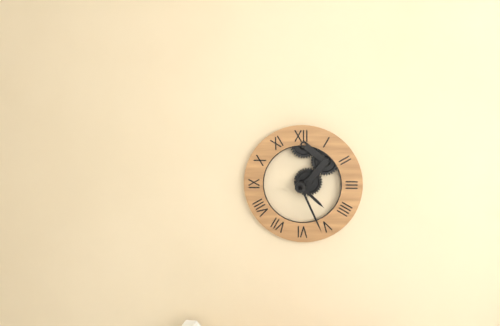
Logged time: **4:26**
